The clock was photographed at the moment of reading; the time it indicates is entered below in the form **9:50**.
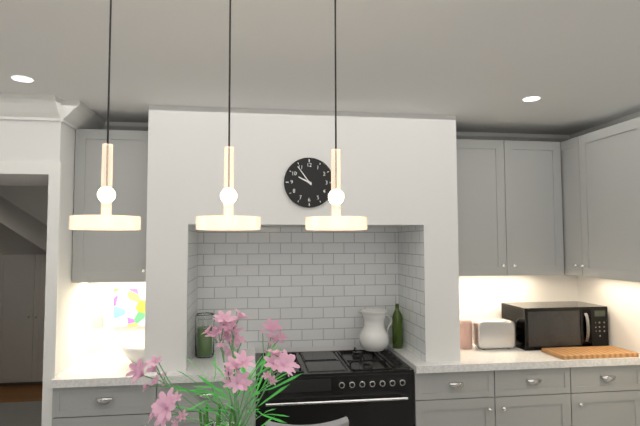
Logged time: **9:54**
